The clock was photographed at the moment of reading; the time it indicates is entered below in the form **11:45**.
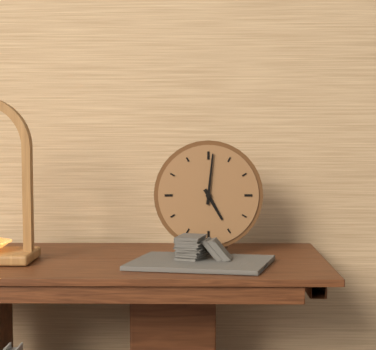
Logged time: **5:01**
